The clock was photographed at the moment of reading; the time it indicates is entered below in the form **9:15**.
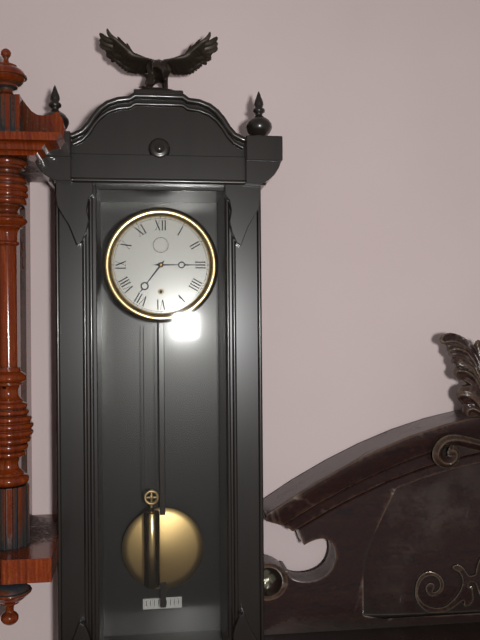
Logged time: **7:15**
